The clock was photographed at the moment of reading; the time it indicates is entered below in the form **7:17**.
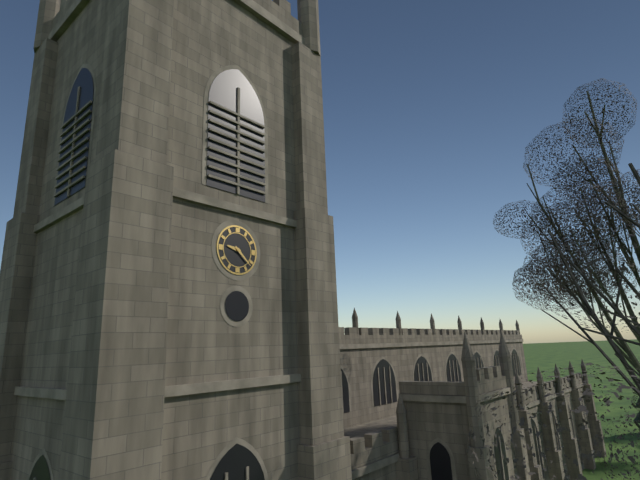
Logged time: **9:22**
